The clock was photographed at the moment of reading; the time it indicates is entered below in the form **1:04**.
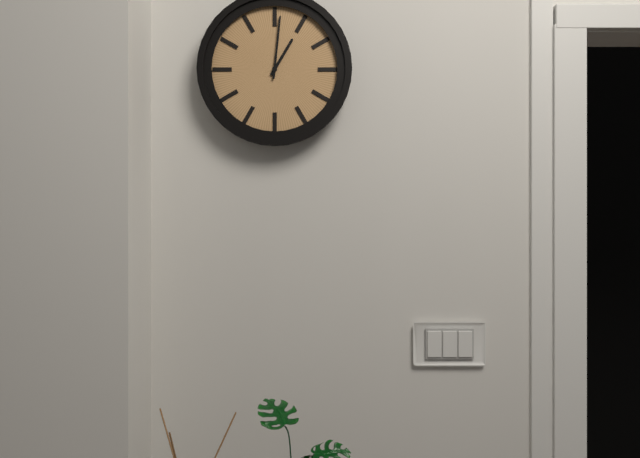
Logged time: **1:01**
